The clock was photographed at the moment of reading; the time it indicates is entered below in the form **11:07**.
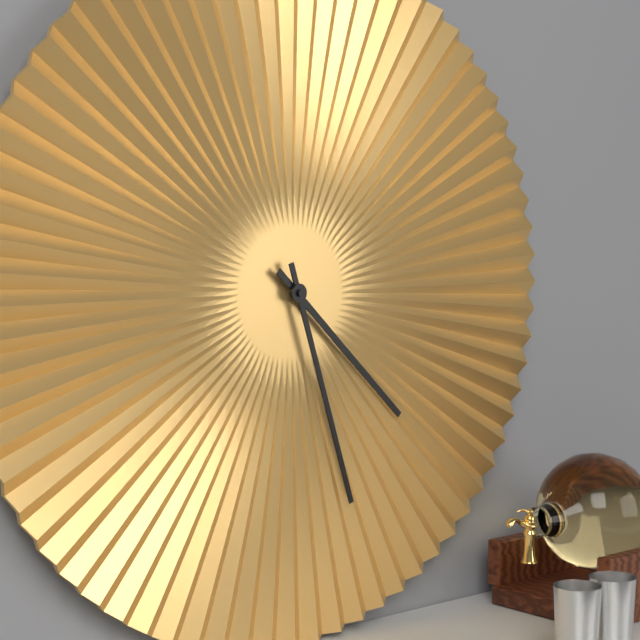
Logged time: **4:27**
